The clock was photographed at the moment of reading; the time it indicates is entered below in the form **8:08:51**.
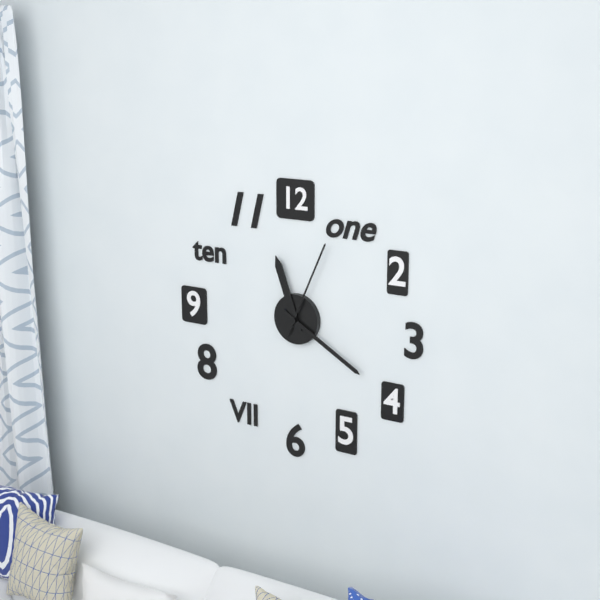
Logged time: **11:20:04**
